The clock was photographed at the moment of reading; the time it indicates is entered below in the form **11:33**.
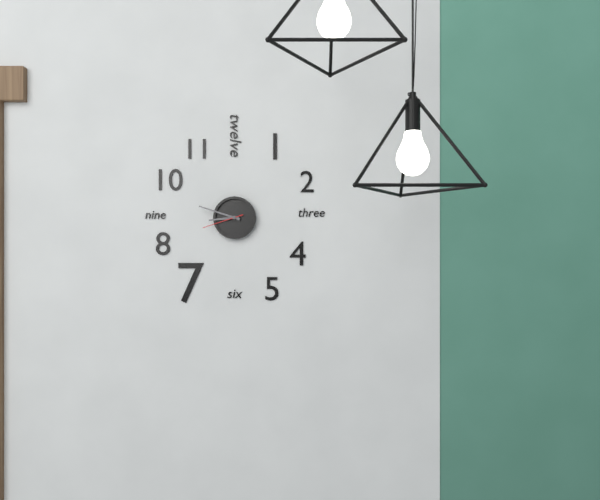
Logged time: **8:48**
